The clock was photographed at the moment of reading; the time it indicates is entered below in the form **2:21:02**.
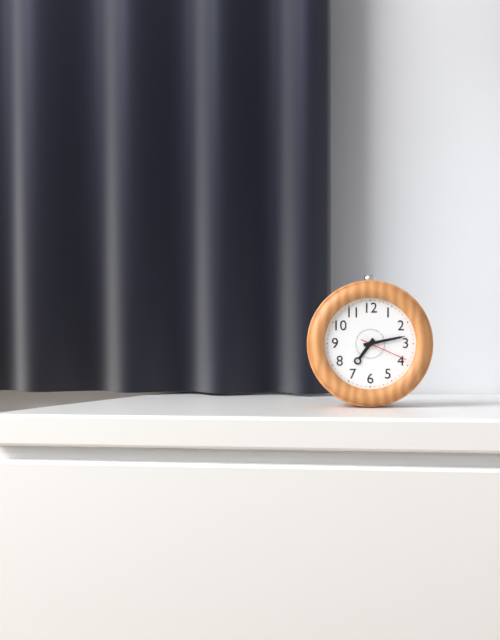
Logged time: **7:13:19**
